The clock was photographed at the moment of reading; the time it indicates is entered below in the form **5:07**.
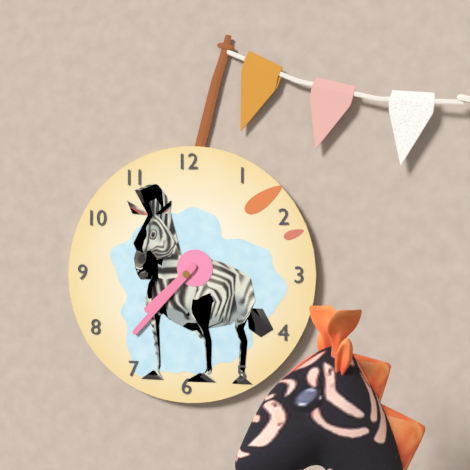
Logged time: **7:37**
